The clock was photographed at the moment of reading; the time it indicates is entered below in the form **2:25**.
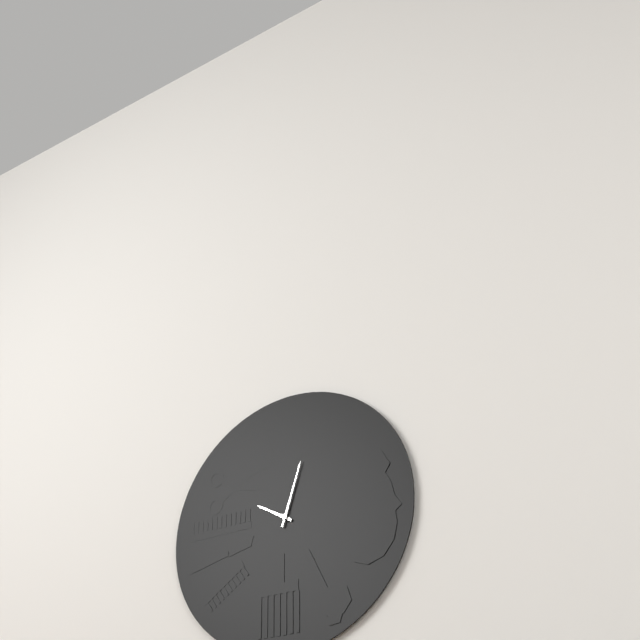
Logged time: **10:03**
